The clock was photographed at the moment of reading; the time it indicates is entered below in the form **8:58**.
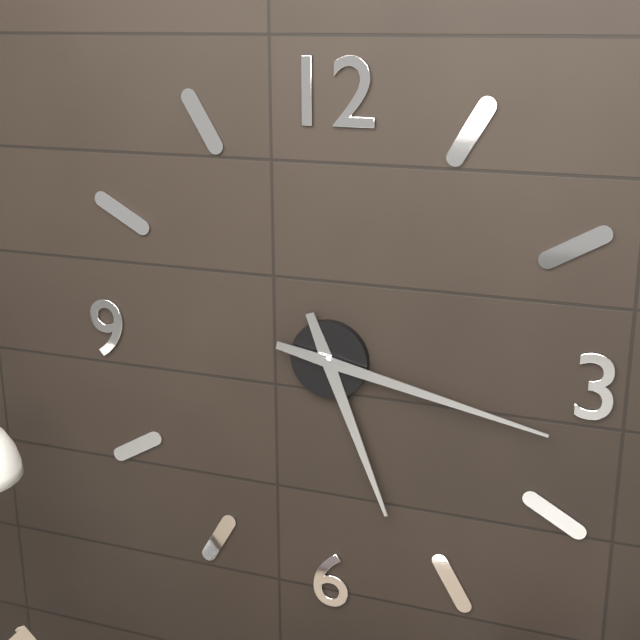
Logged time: **5:17**
